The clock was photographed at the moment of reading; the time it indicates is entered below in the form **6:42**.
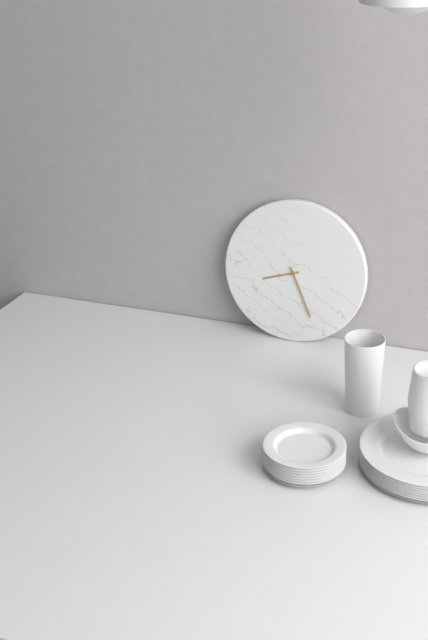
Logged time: **8:26**
